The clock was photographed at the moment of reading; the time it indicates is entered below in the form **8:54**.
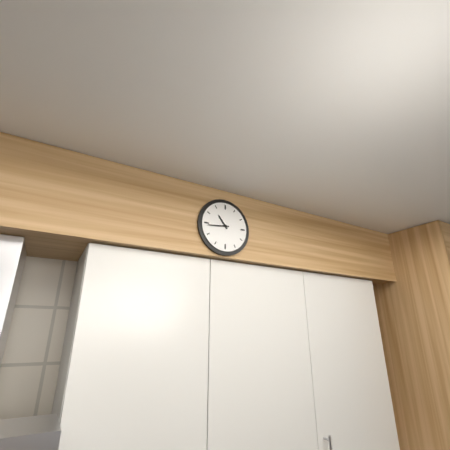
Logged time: **10:44**
